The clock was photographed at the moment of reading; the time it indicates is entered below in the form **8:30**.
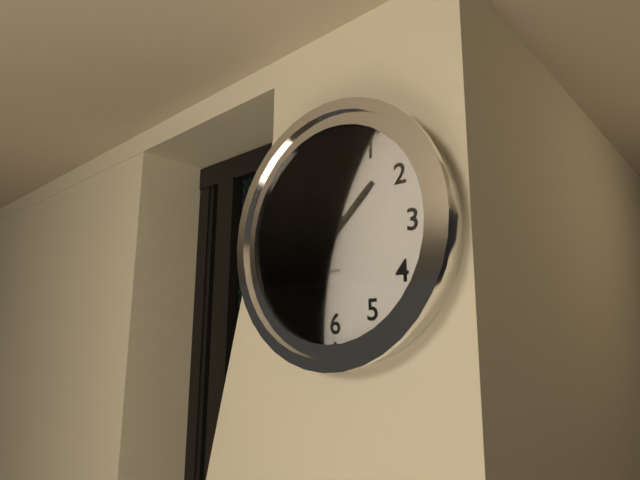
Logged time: **1:35**
